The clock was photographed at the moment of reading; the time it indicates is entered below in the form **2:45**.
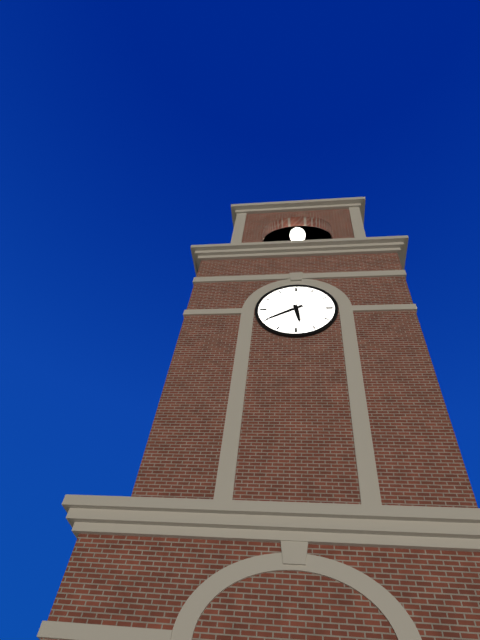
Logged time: **5:40**
